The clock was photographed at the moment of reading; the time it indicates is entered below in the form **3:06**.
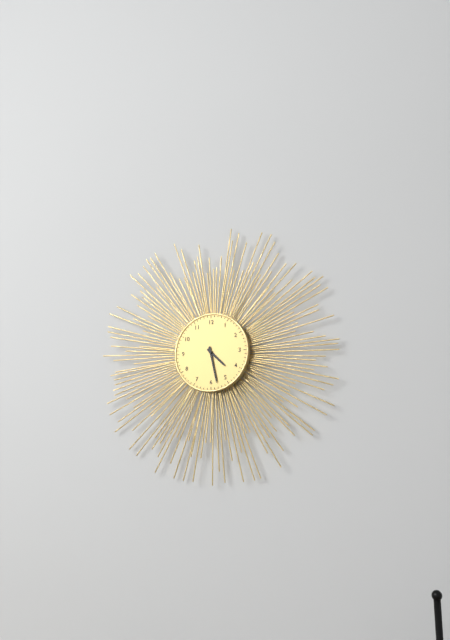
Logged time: **4:28**
